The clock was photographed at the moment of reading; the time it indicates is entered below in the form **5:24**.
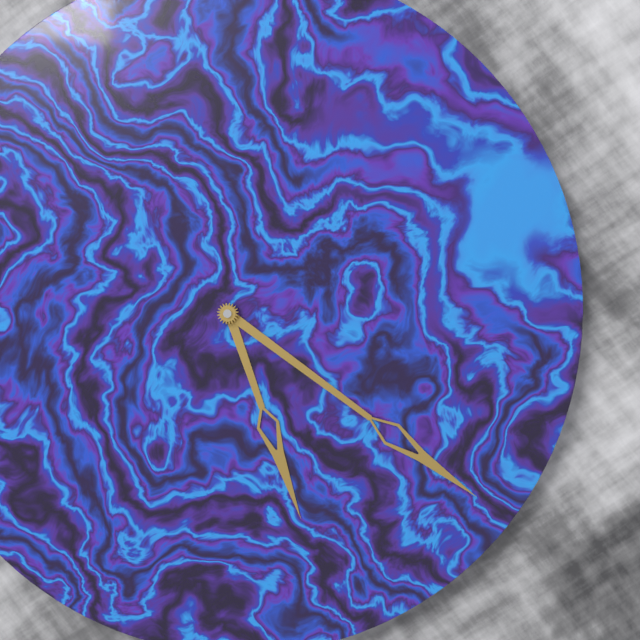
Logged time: **5:21**
